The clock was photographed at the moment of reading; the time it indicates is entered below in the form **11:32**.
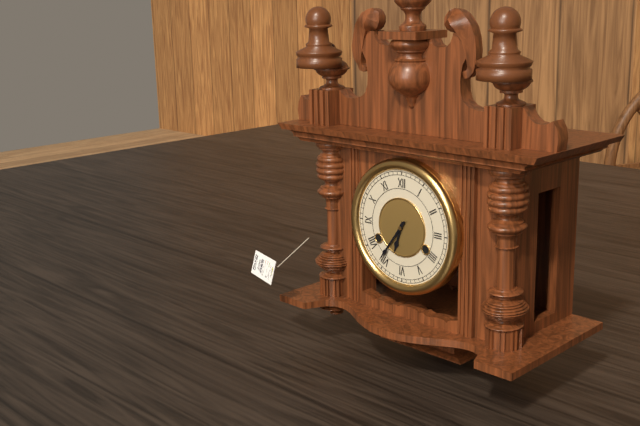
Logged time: **6:36**
